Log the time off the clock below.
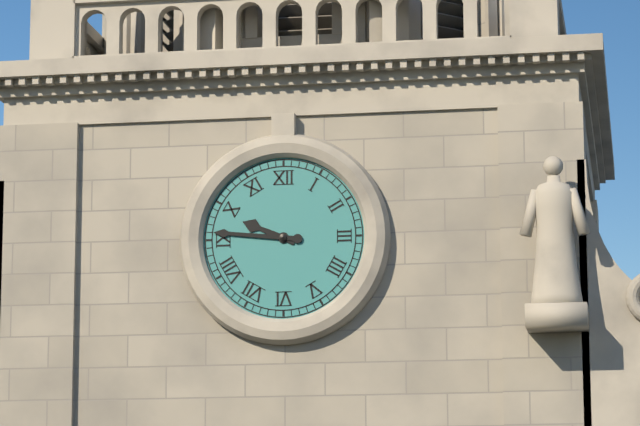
9:46
